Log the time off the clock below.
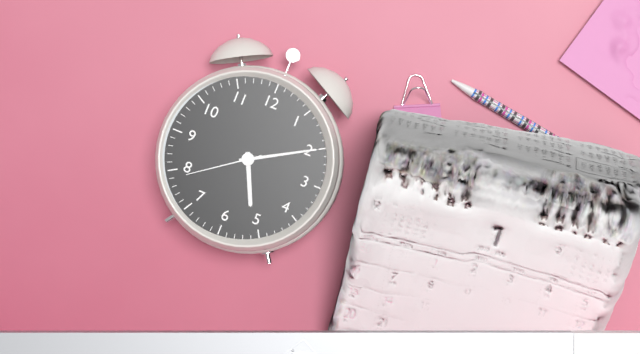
5:10:39
